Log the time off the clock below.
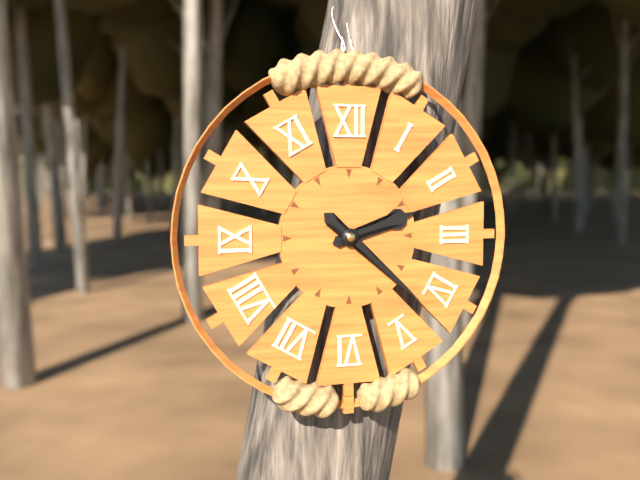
2:22
